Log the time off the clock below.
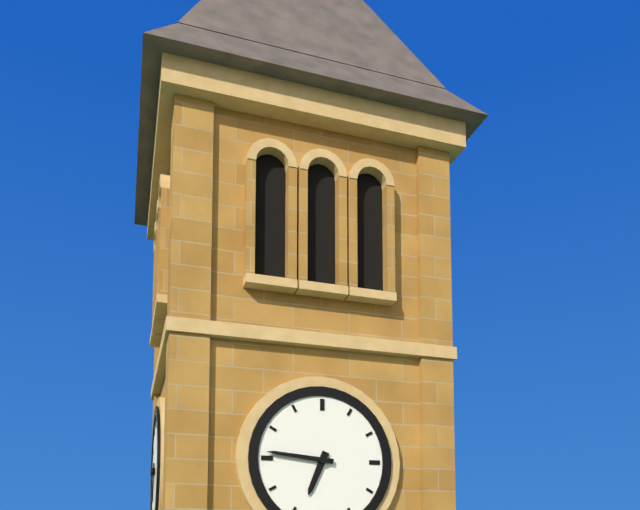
6:46
